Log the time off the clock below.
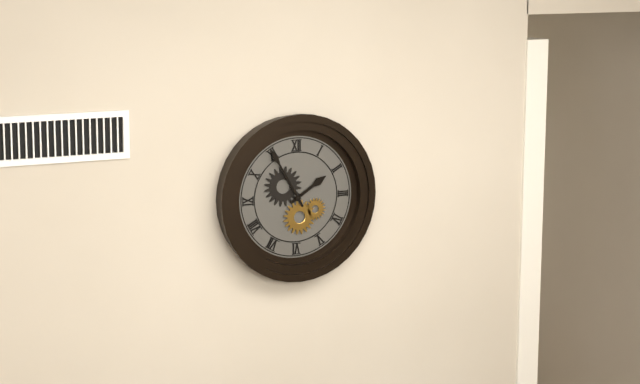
1:55
